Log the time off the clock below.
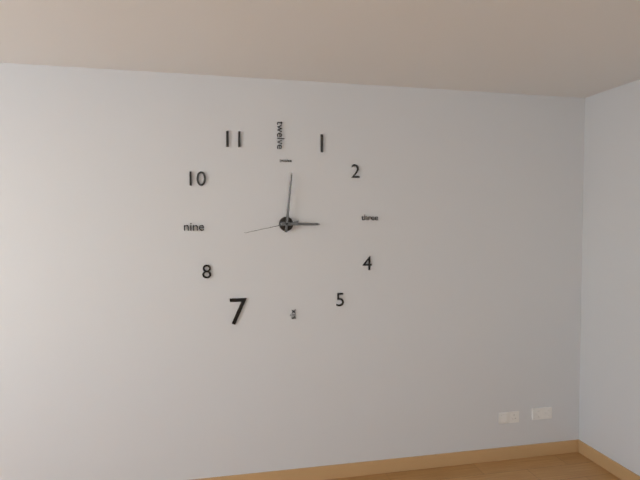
3:01:43
